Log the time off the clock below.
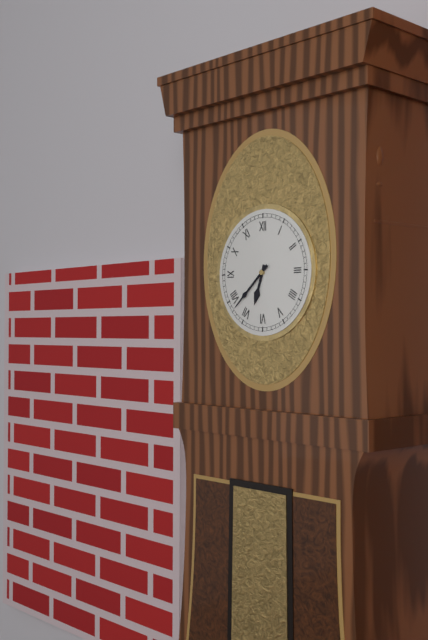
6:38
